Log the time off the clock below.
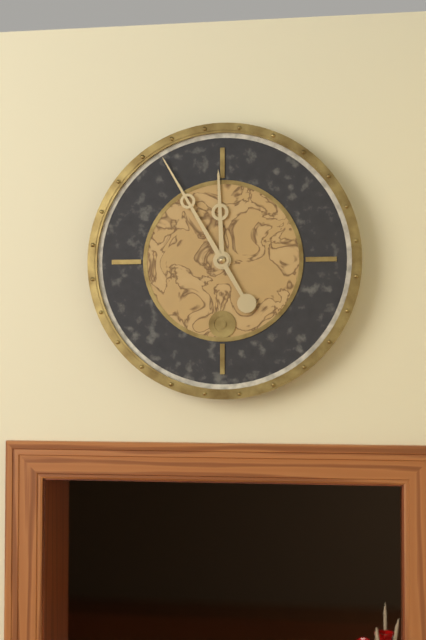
11:55
